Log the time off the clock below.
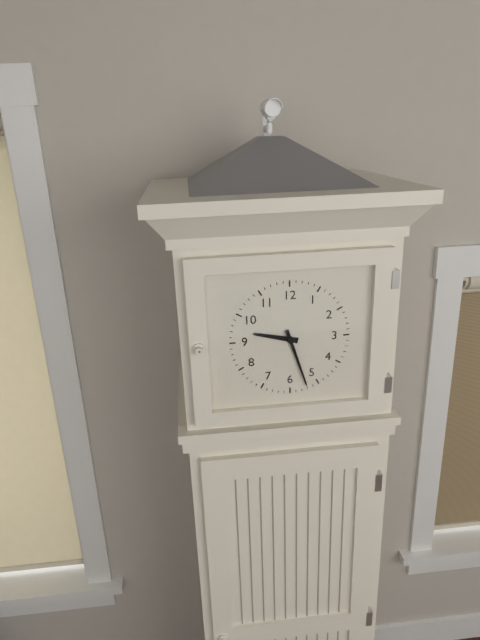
9:27
